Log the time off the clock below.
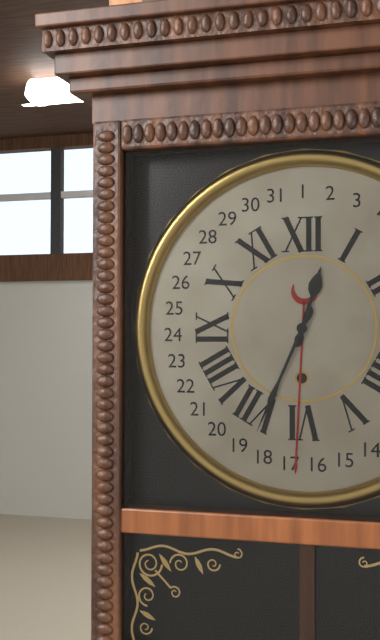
12:34
